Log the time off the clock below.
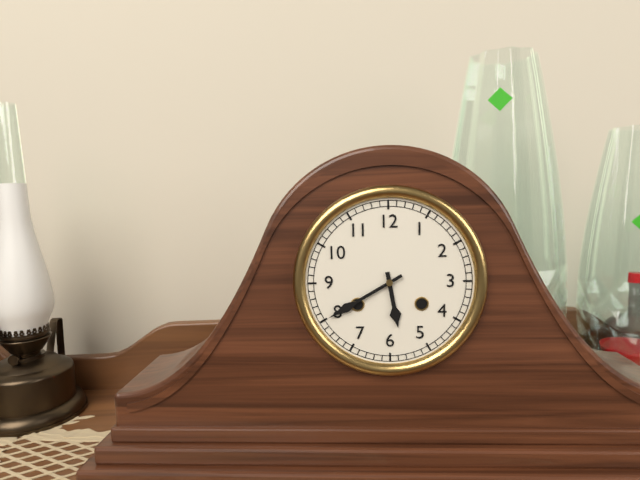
5:40
